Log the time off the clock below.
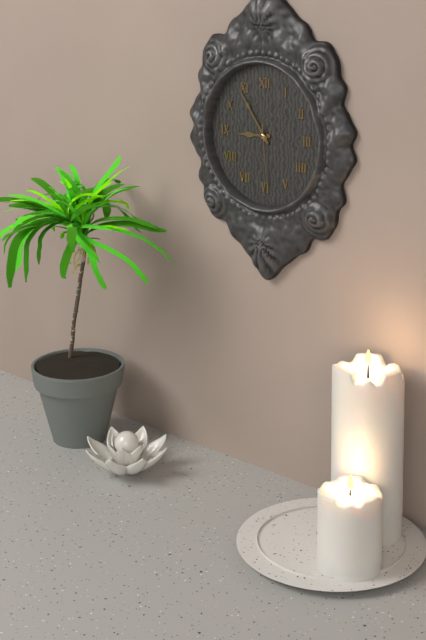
8:54:29
